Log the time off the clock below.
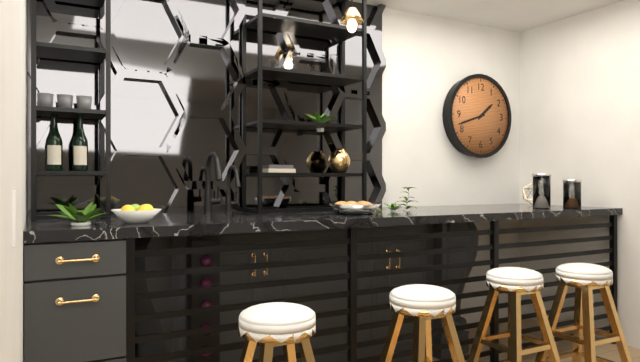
1:42
